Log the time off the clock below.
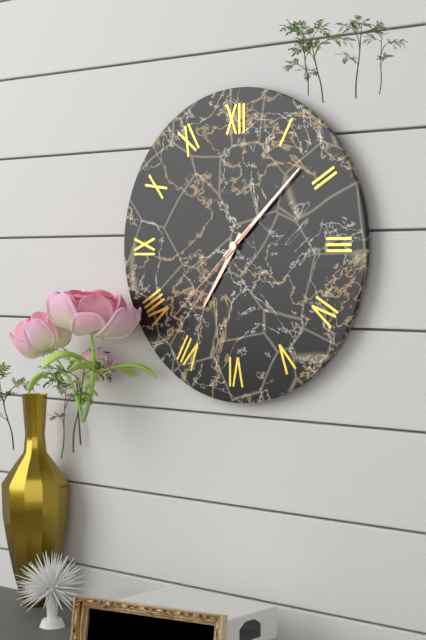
7:08:38
